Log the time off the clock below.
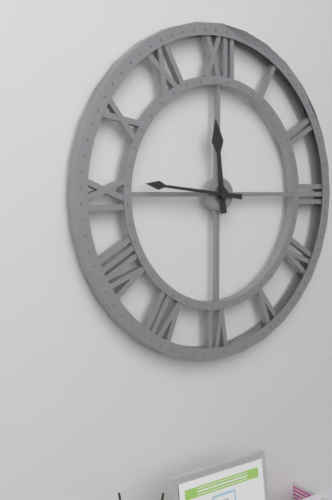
11:46
